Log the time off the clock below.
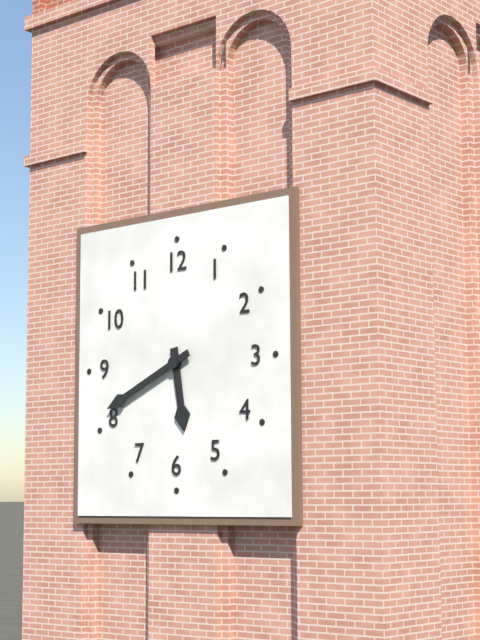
5:41
